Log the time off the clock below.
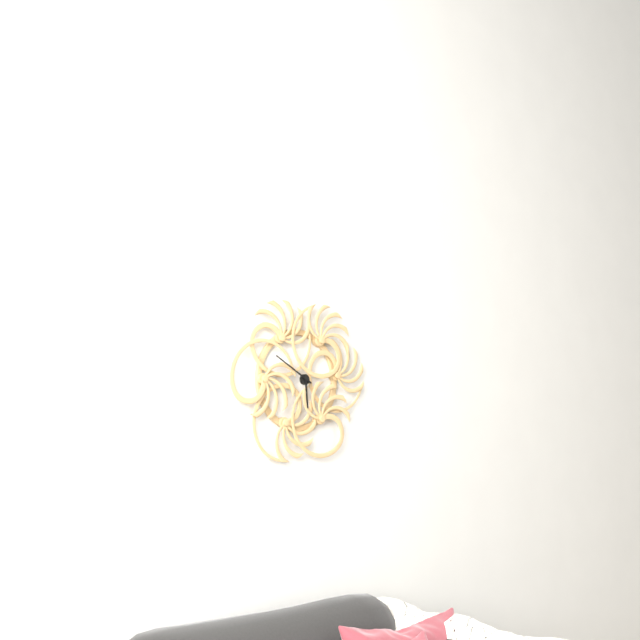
5:50
